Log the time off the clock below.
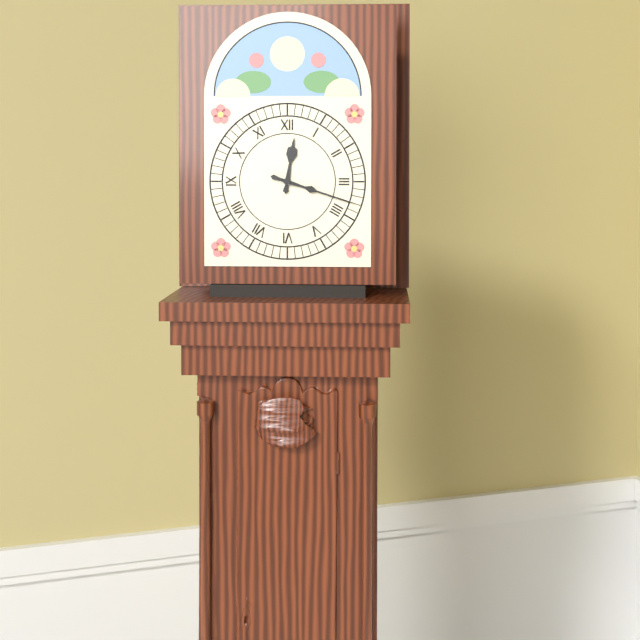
12:18
